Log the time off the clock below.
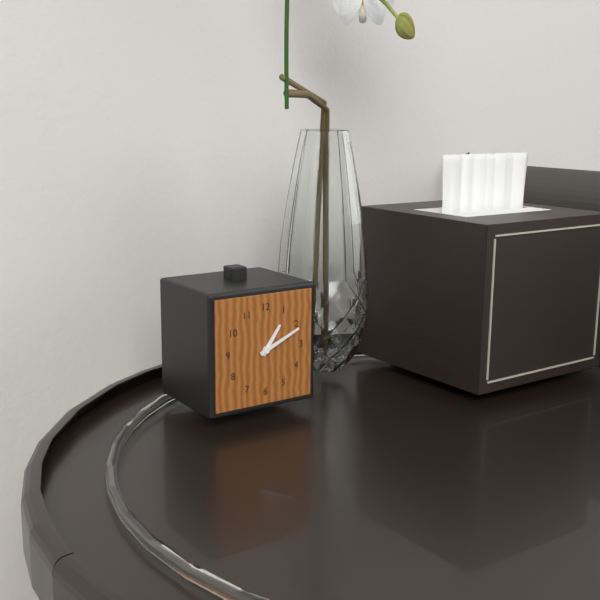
1:11
